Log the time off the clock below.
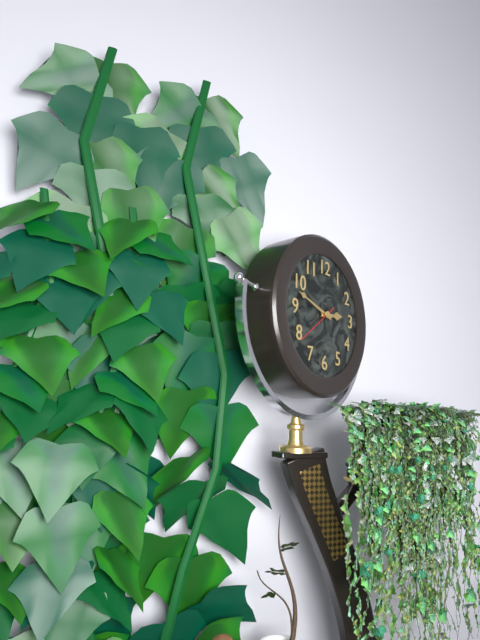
2:48
